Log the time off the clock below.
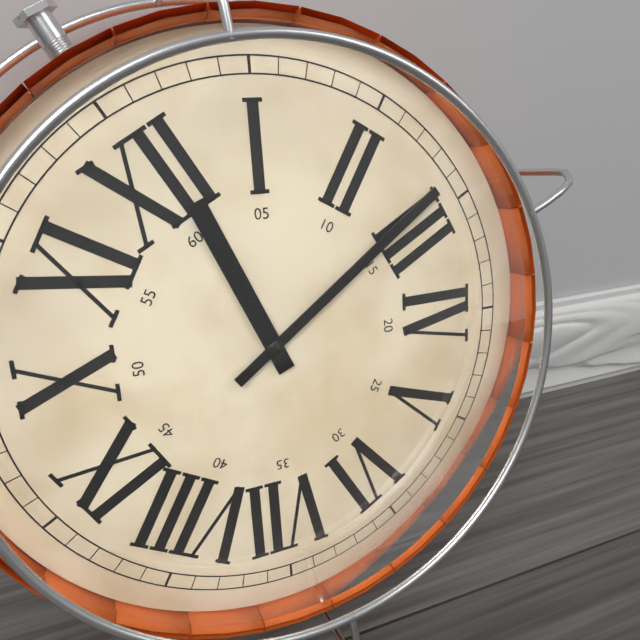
12:14
